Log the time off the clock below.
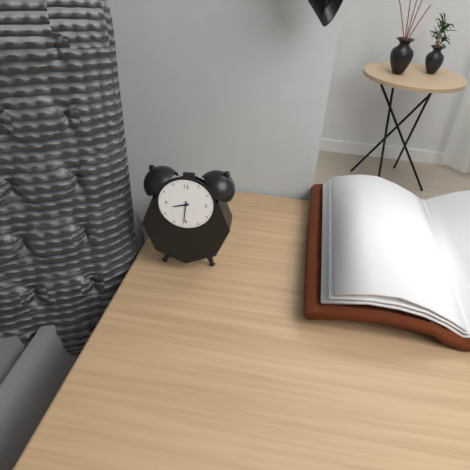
8:31
